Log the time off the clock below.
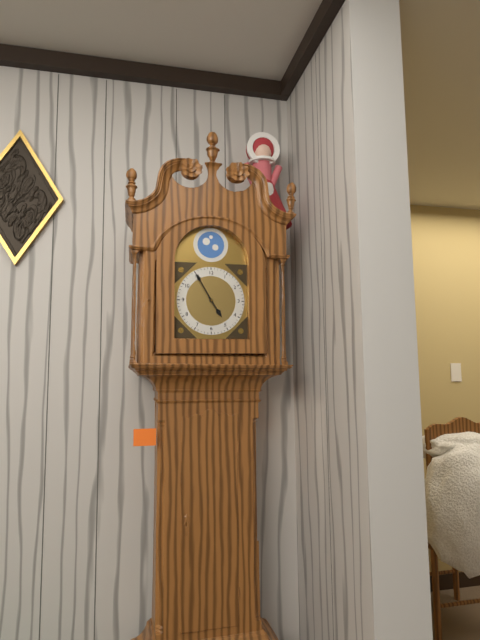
4:55
